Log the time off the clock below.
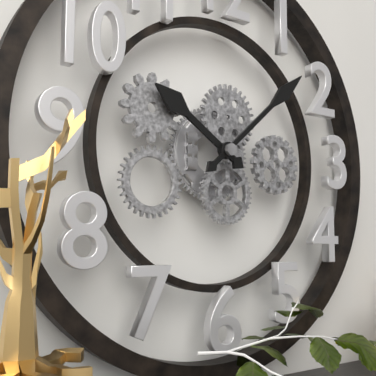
10:08
